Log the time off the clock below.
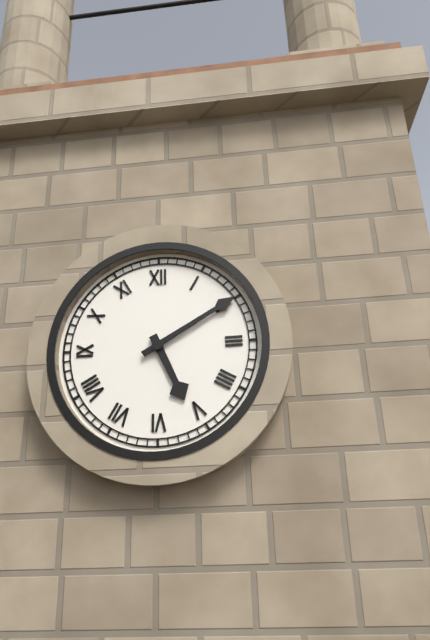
5:10
